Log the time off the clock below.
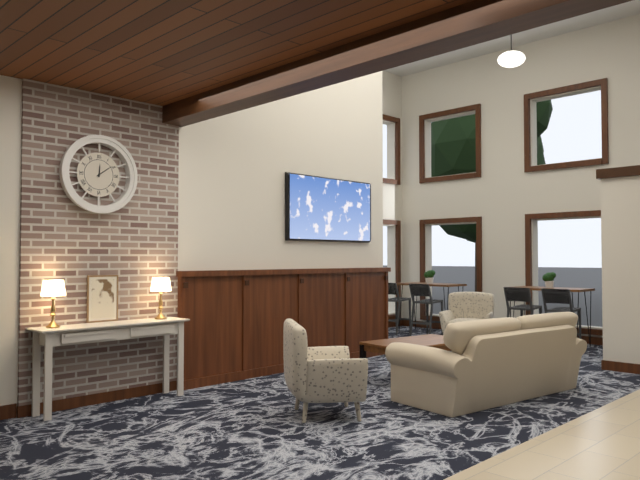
12:09
